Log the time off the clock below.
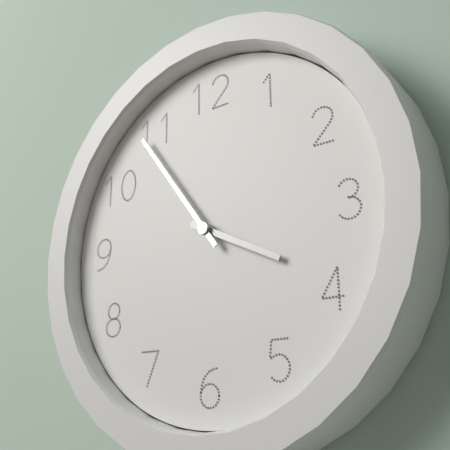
3:54
